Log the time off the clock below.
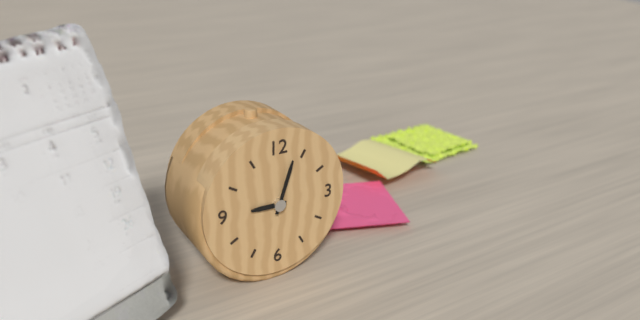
9:03
